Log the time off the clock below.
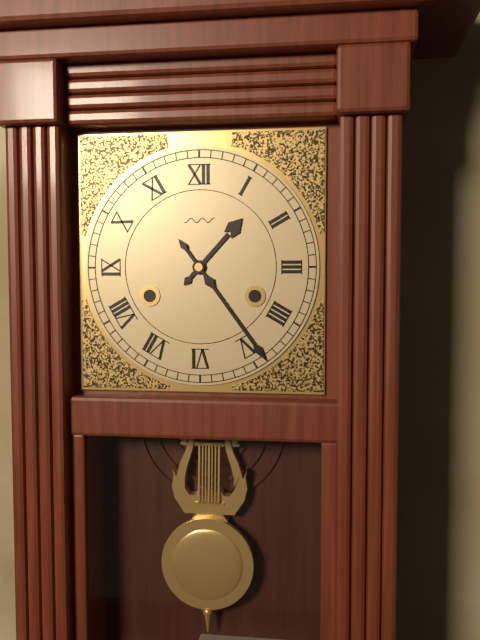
1:24
